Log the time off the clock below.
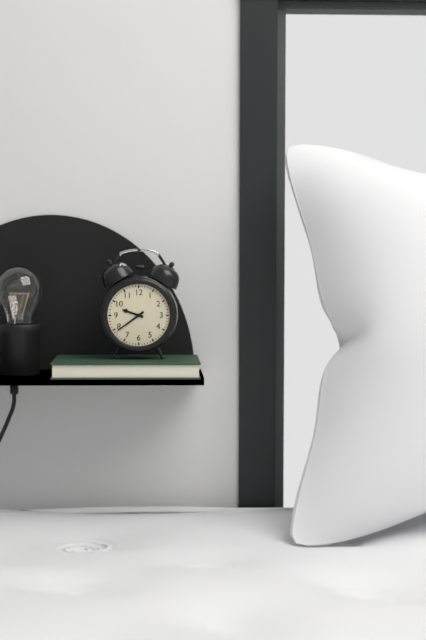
9:39
